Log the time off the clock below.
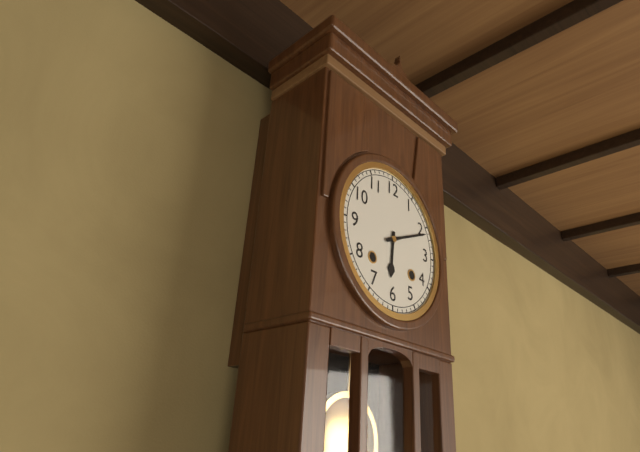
6:11
